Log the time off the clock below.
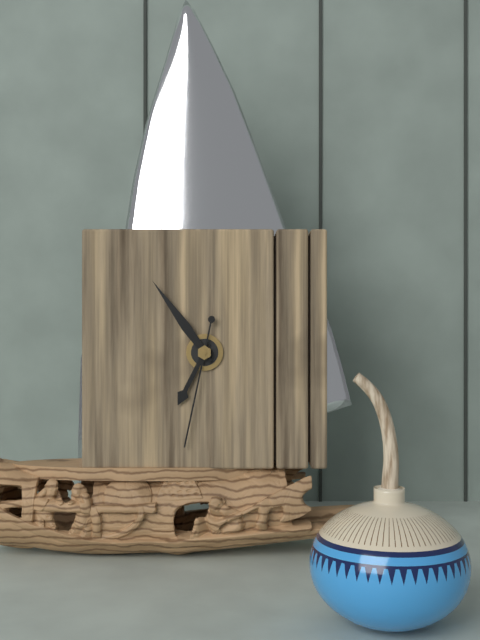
6:54:32
